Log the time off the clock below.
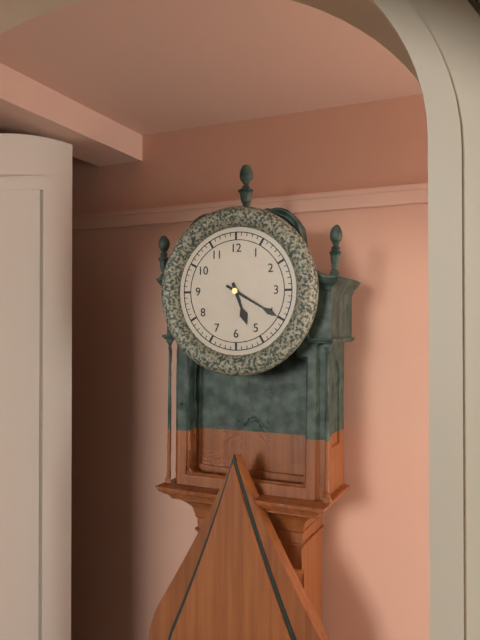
5:20
